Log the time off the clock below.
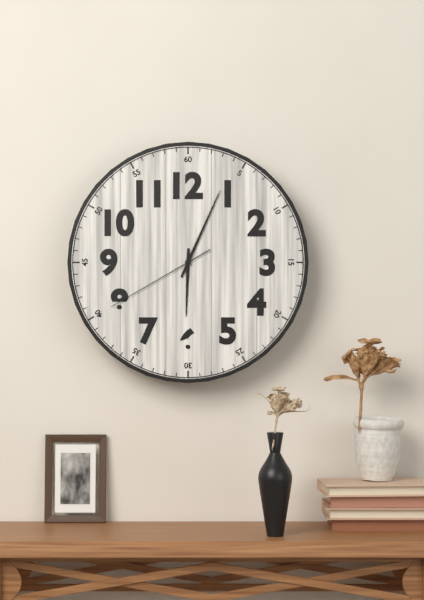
6:04:40
